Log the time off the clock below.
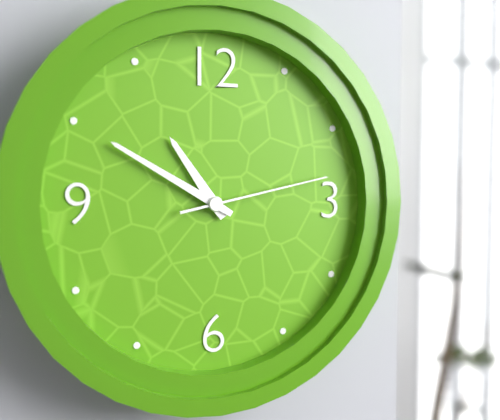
10:50:13
